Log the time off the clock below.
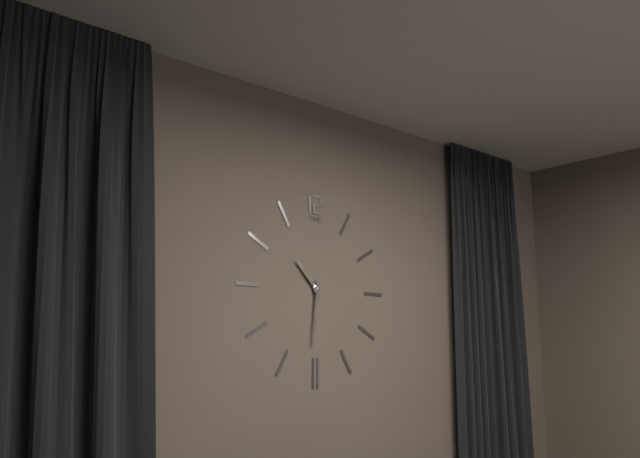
10:31
